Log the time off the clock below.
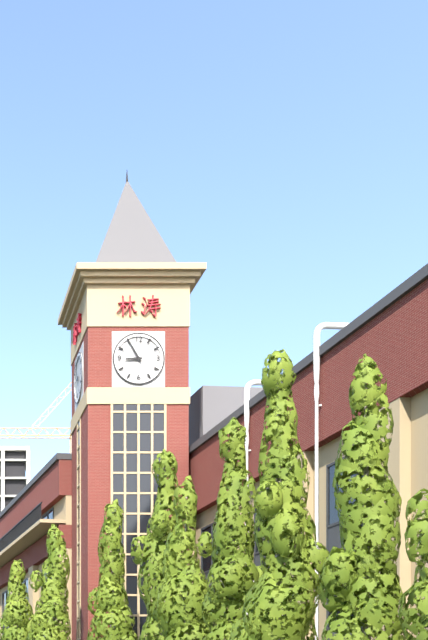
8:55
